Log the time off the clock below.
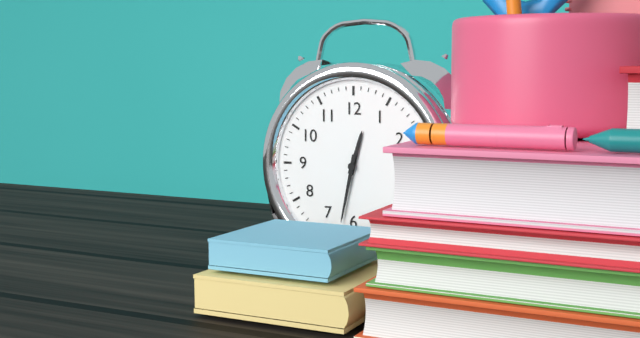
12:32
